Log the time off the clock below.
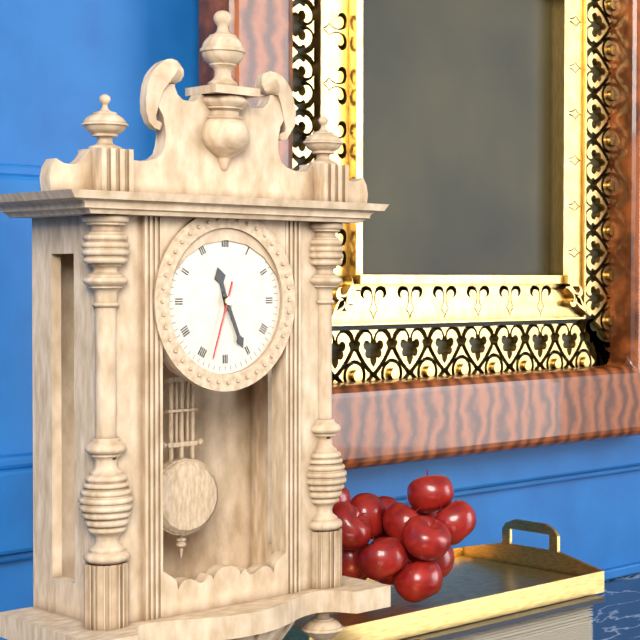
11:26:33
